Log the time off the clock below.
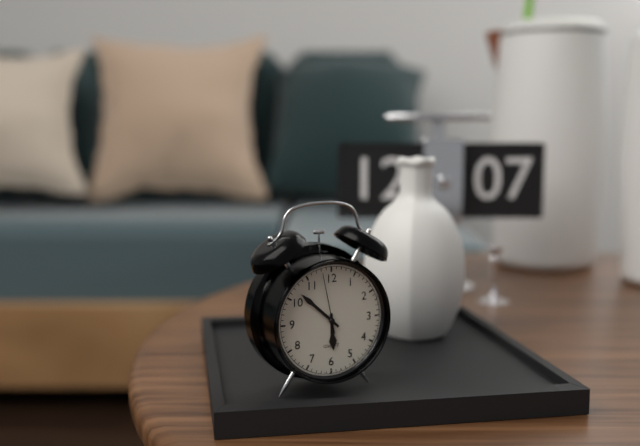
5:52:58
